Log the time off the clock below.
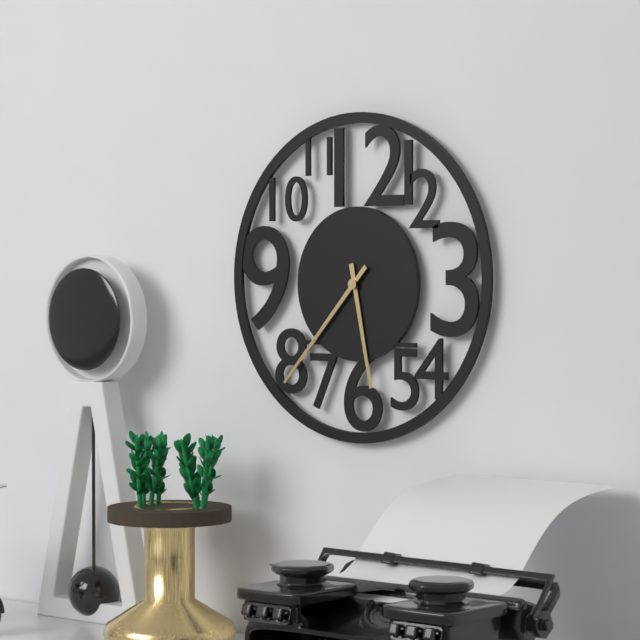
5:37
